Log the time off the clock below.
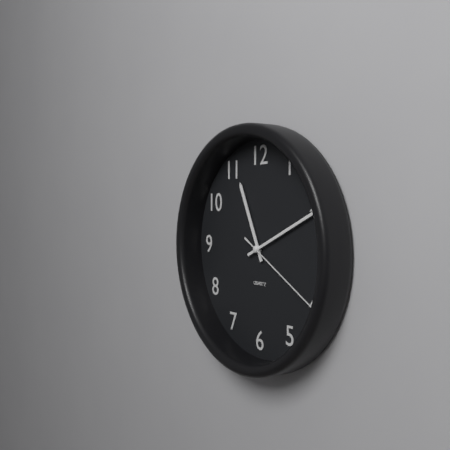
11:11:20
